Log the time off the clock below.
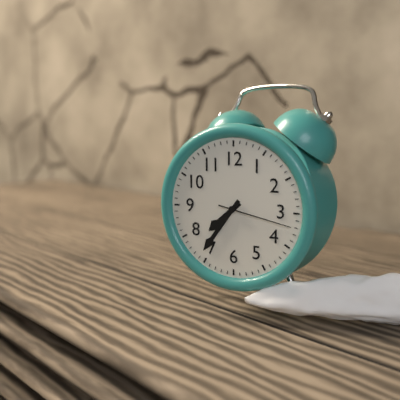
7:36:17
